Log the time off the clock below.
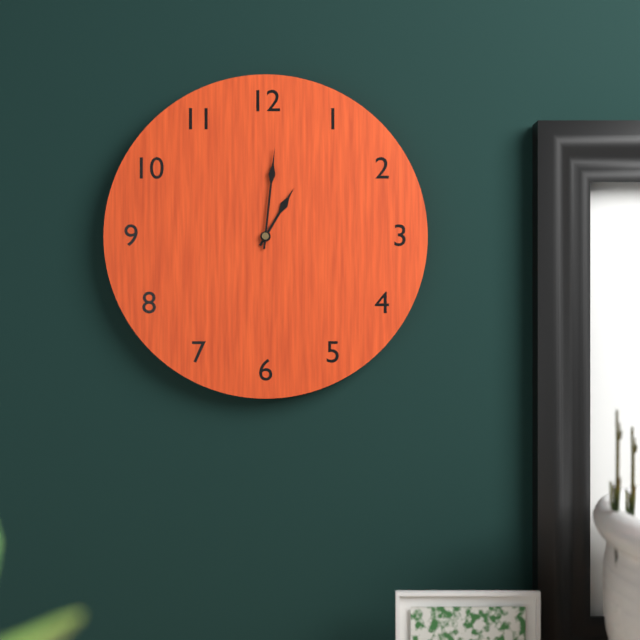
1:01
